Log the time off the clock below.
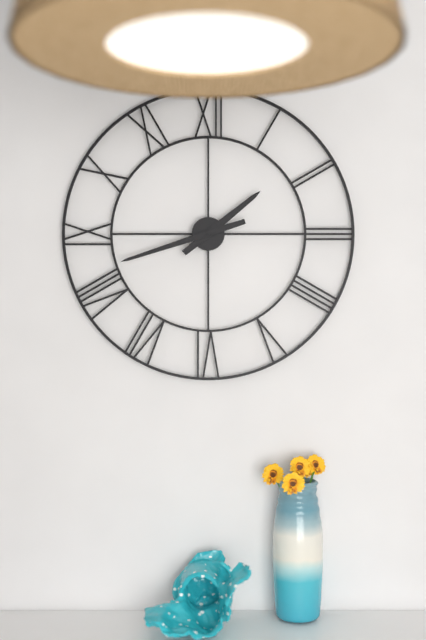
1:42
